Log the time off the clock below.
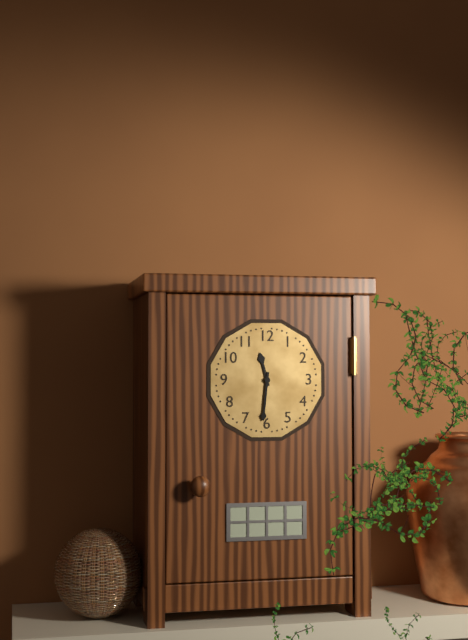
11:31
